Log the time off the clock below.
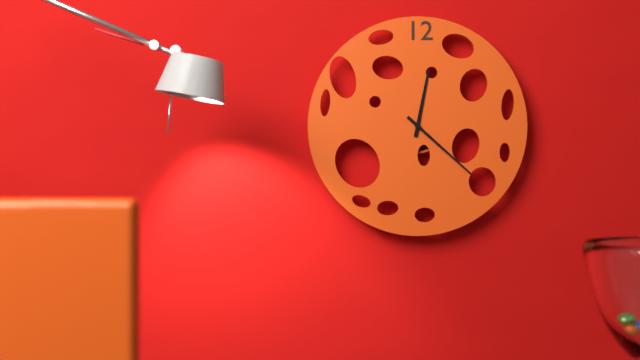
12:22
